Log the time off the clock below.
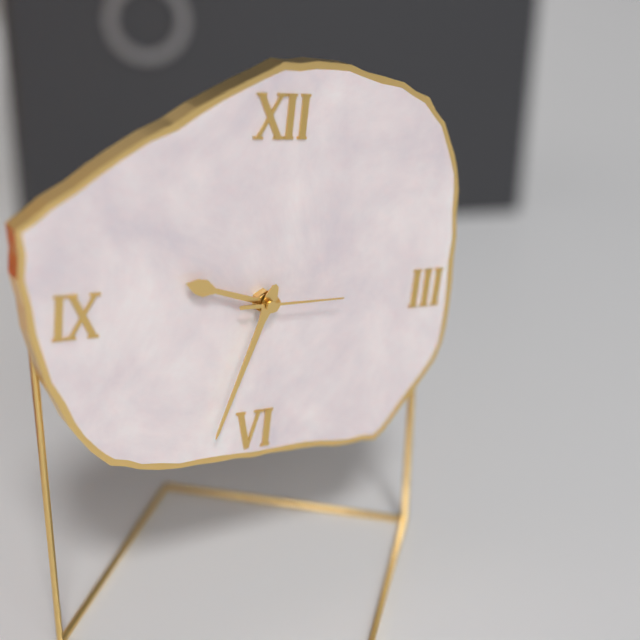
9:33:15
